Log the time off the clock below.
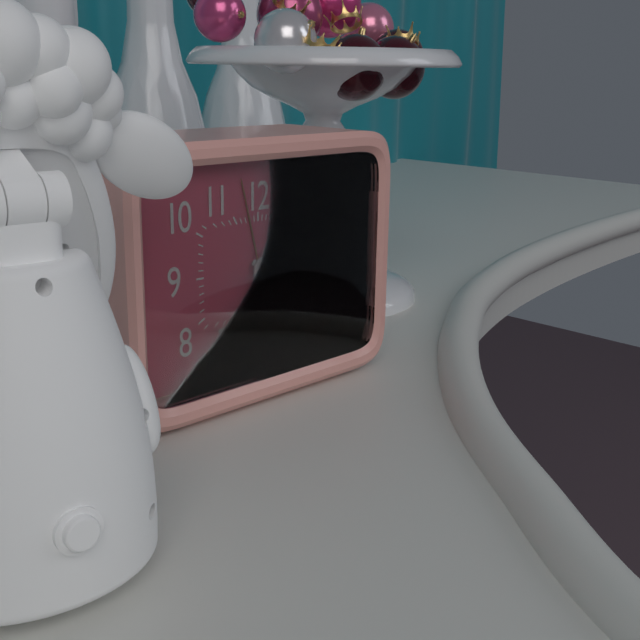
1:21
